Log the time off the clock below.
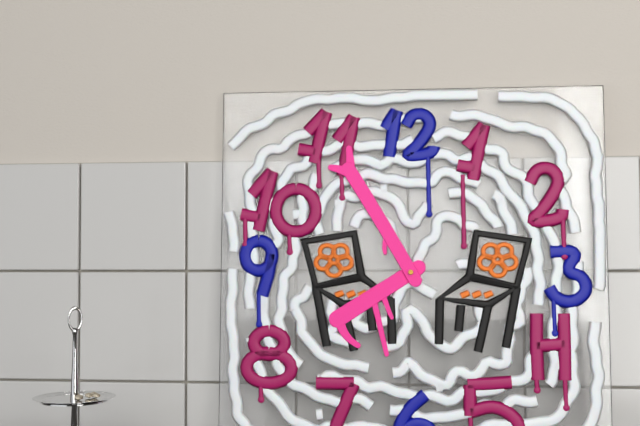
7:55
